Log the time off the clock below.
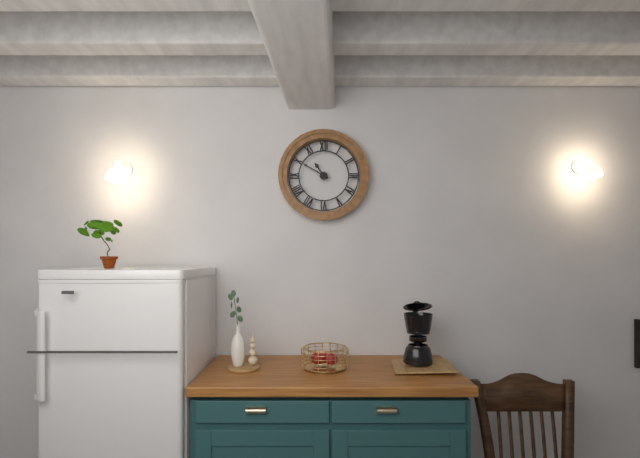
10:50
